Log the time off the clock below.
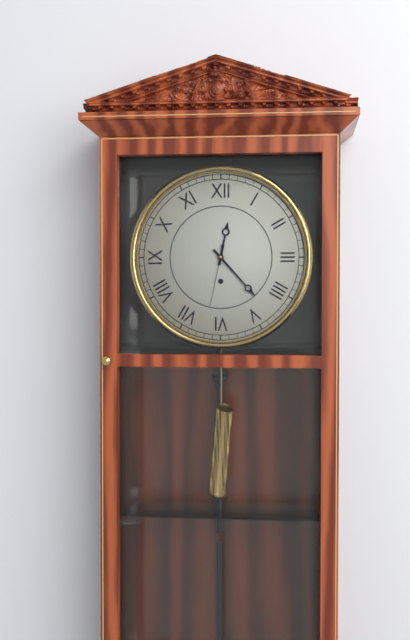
12:23:32
